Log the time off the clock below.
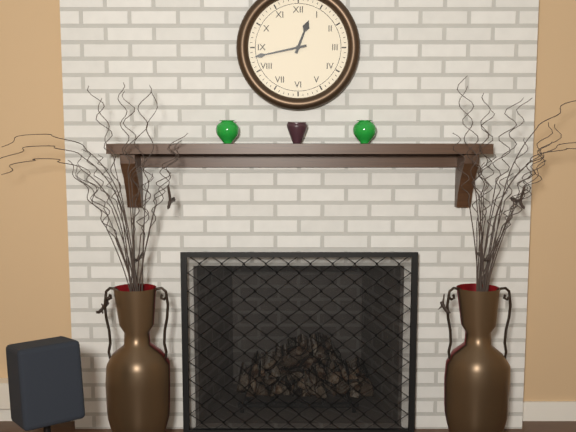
12:43
